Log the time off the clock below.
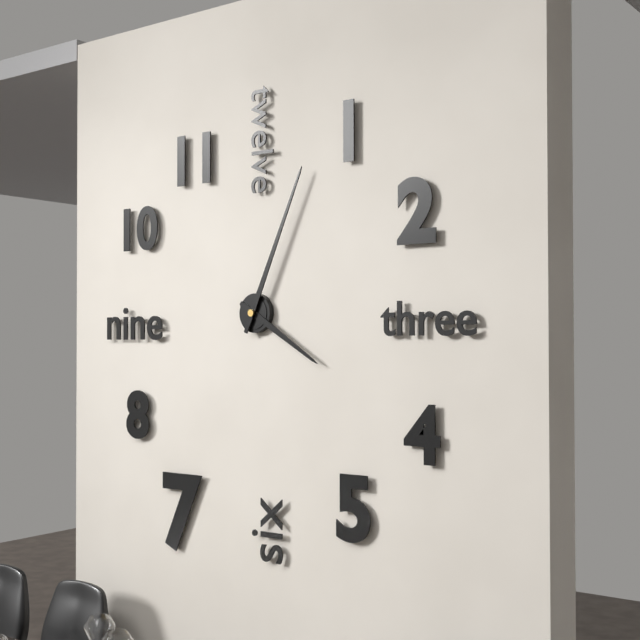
4:04
